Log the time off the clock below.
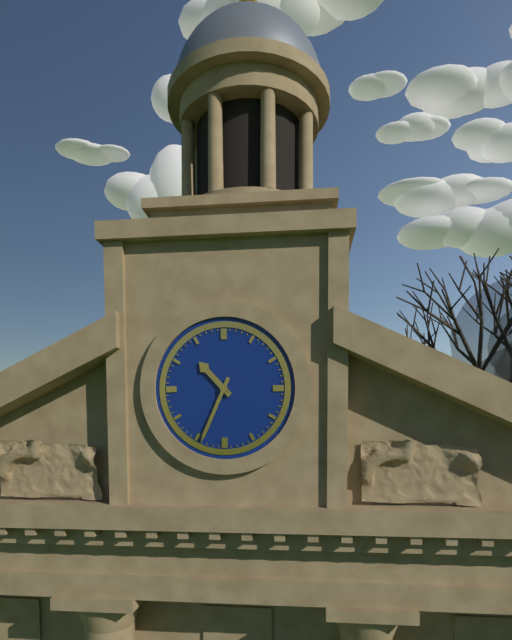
10:34
